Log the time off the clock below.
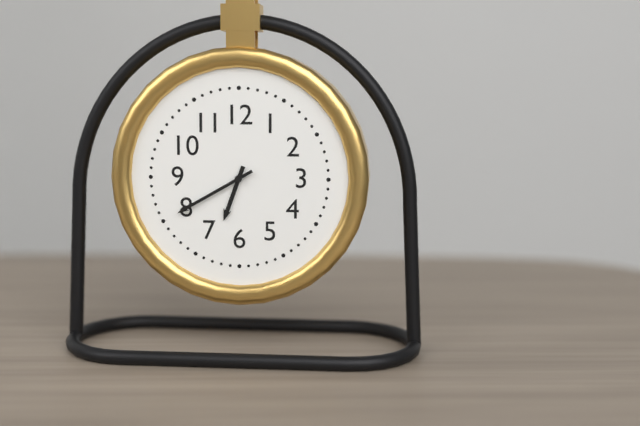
6:40
